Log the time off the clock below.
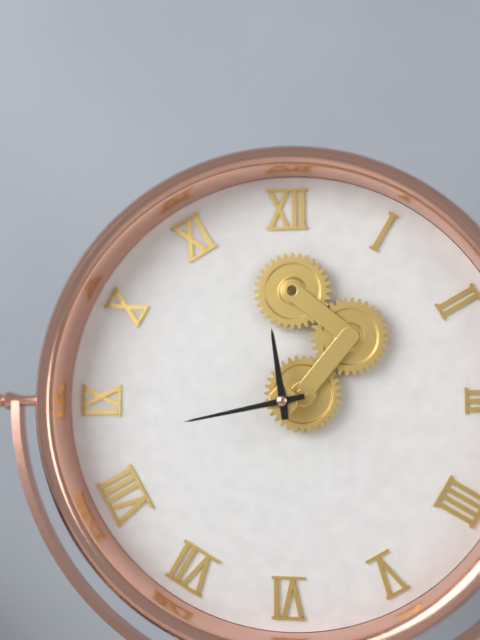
11:43
